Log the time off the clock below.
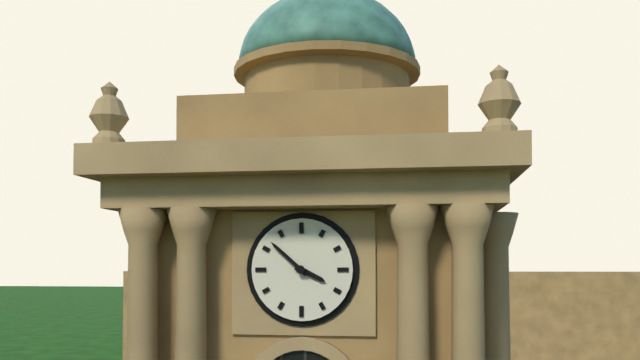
3:52
